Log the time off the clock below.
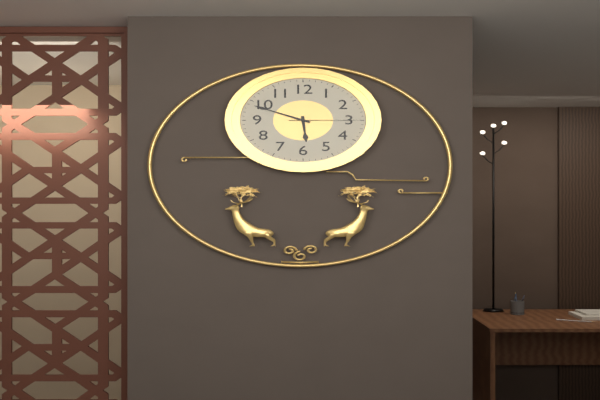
5:49:15
